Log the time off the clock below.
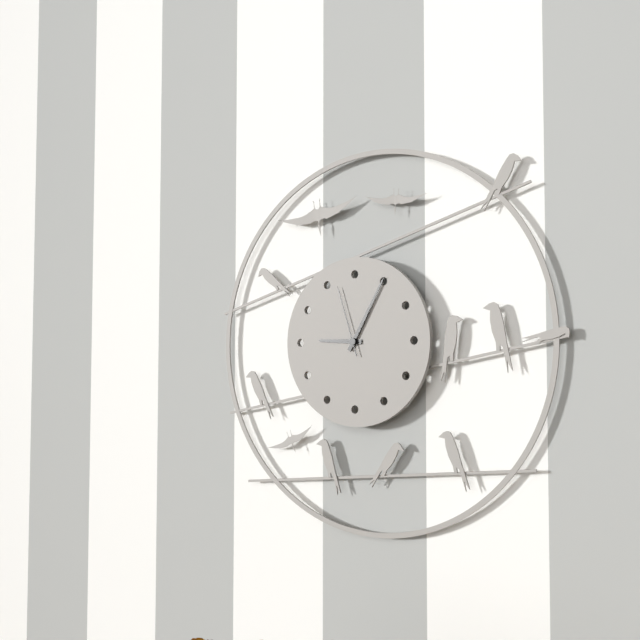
9:05:57
